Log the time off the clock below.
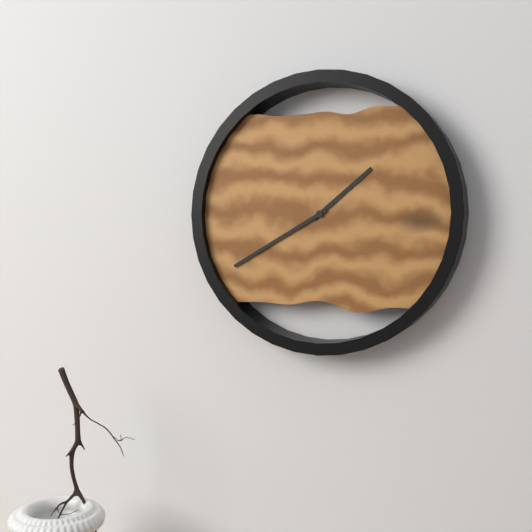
1:40
